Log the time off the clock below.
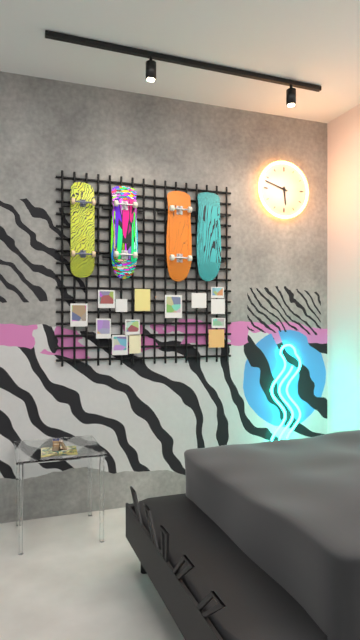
5:48
